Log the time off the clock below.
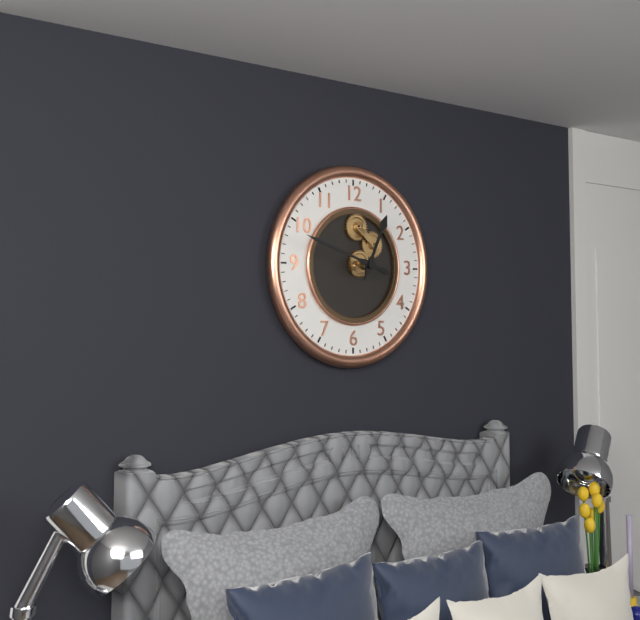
12:48
